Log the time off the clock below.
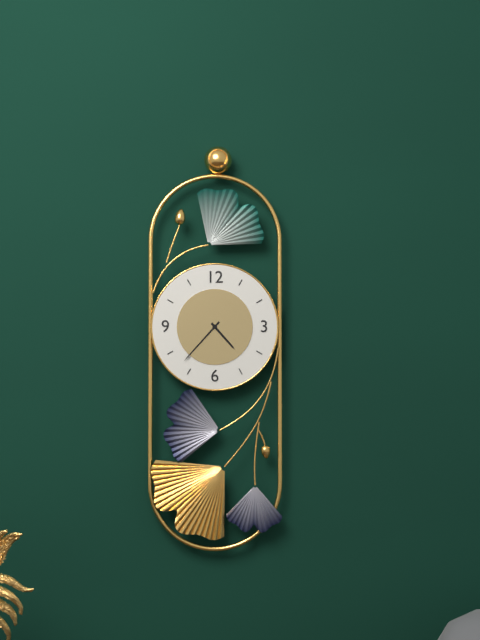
4:37
